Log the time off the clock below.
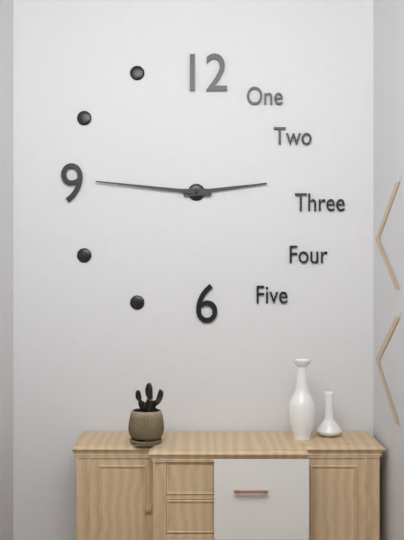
2:46
